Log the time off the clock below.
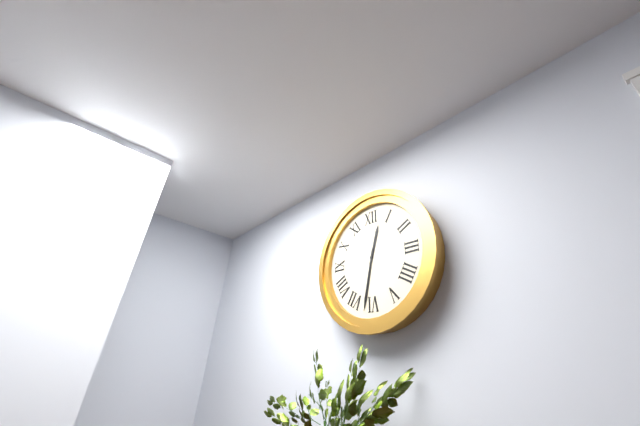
12:32
